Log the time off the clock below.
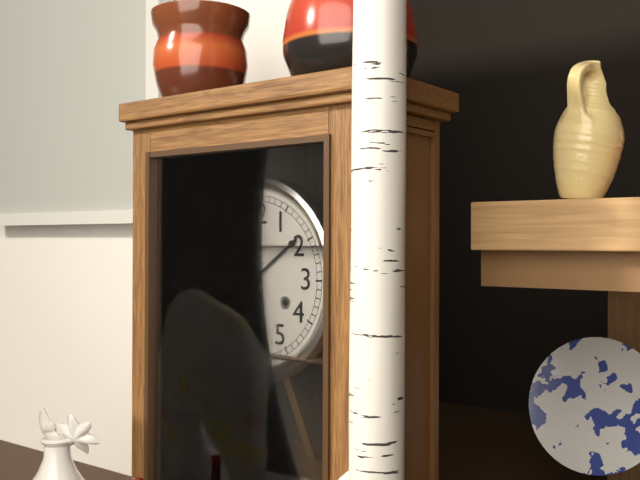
7:09
